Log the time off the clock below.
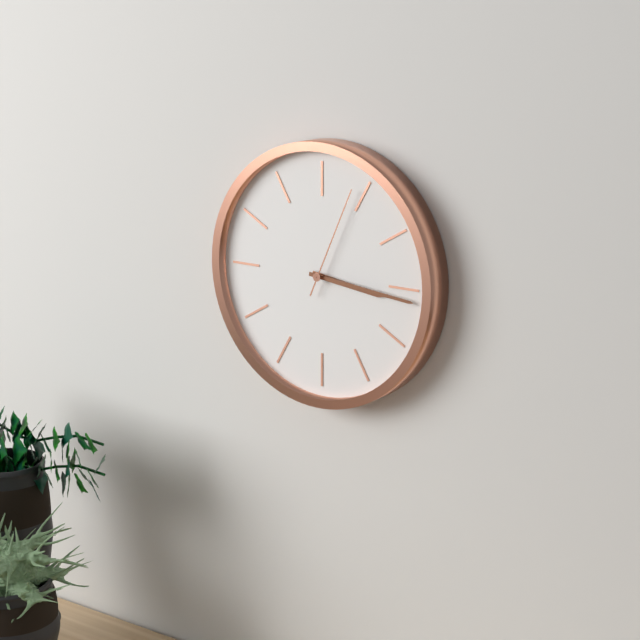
3:16:04
